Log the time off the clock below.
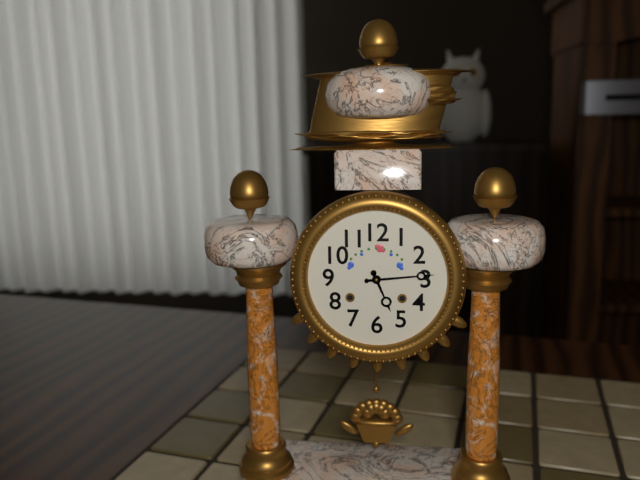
5:14
